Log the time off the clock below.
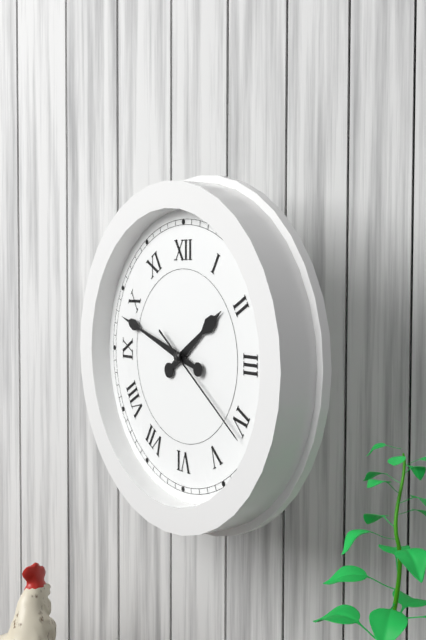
1:48:21
